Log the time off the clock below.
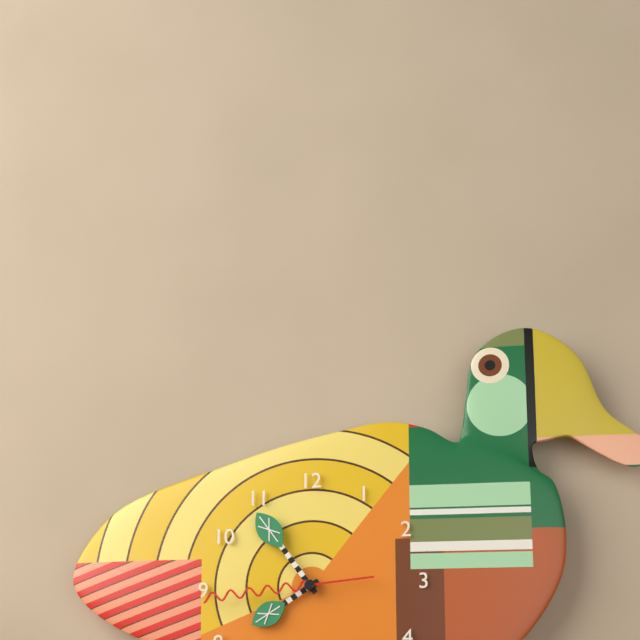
7:54:44
